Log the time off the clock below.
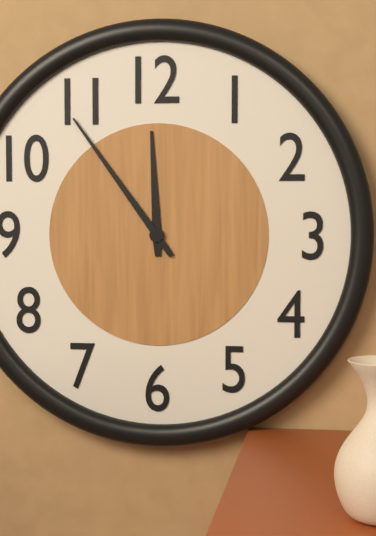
11:54
